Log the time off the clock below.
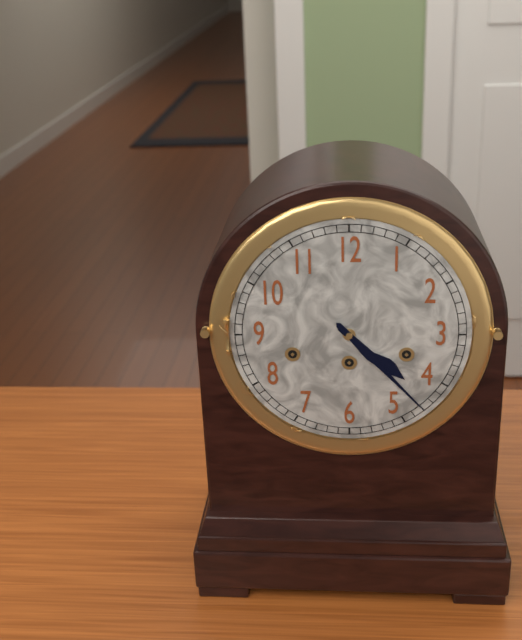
4:23
